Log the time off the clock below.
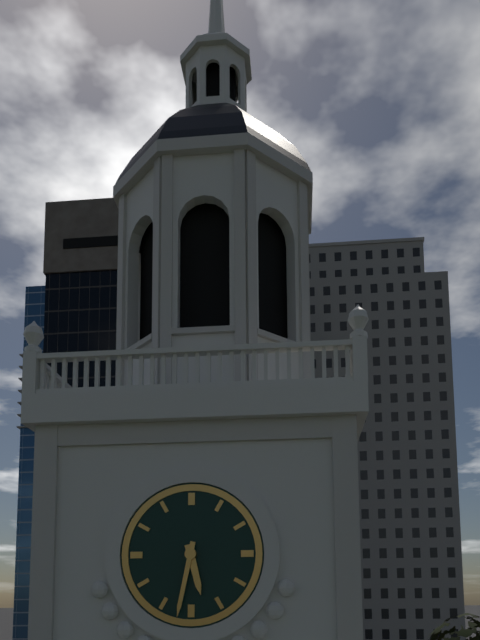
5:32
